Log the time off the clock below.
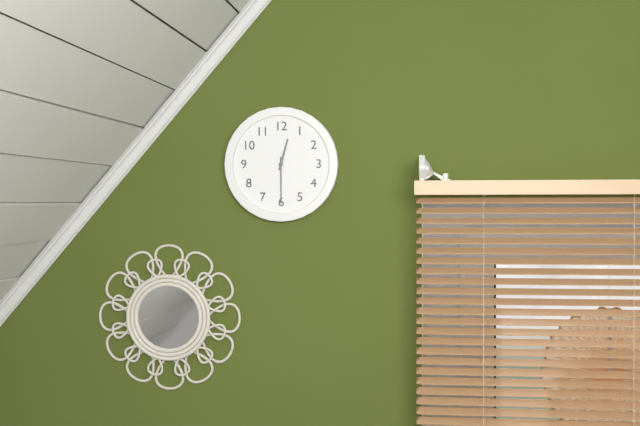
12:30
